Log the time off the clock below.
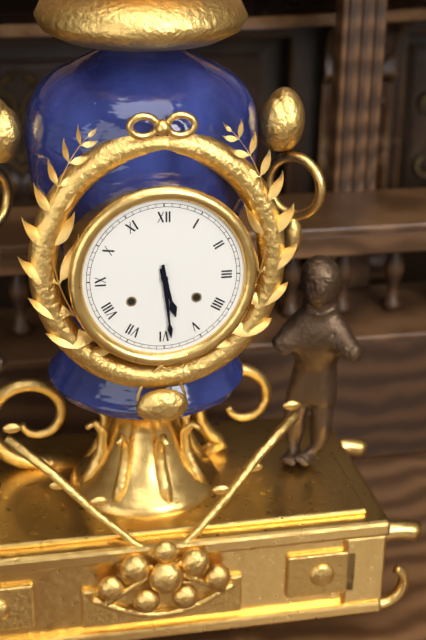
5:29
